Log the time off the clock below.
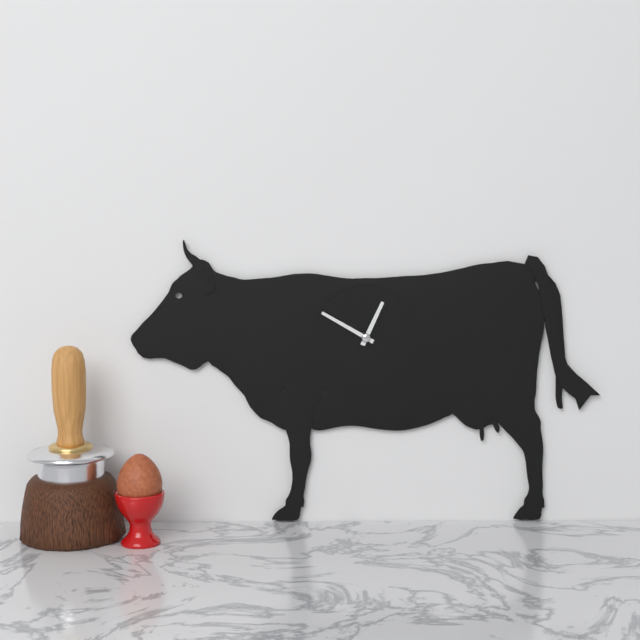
12:50
